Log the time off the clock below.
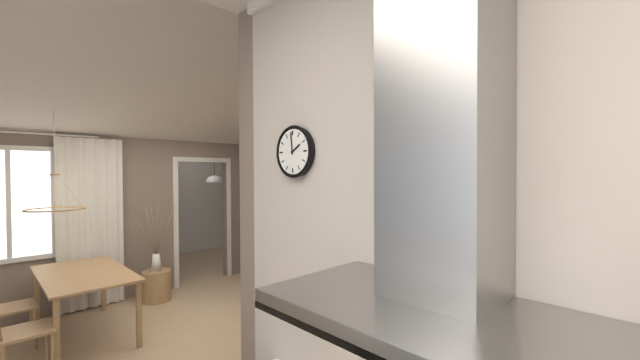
1:59
